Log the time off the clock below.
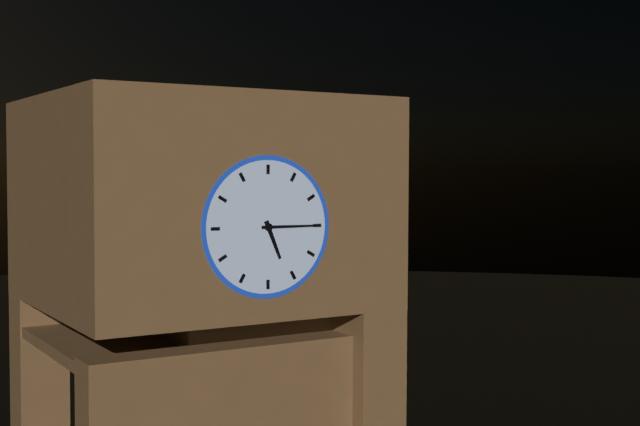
5:15
